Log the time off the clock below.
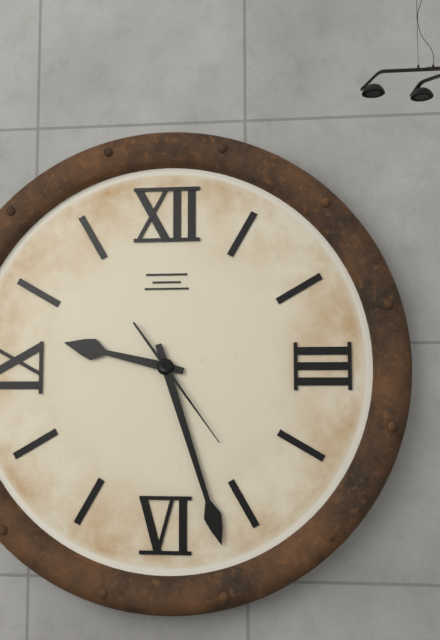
9:27:24
